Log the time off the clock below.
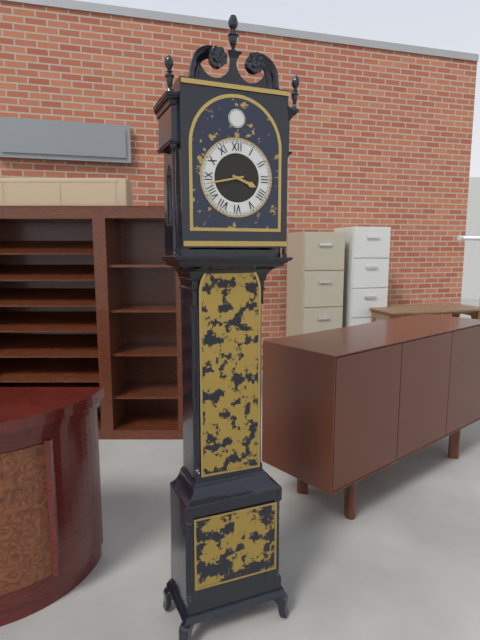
3:43
